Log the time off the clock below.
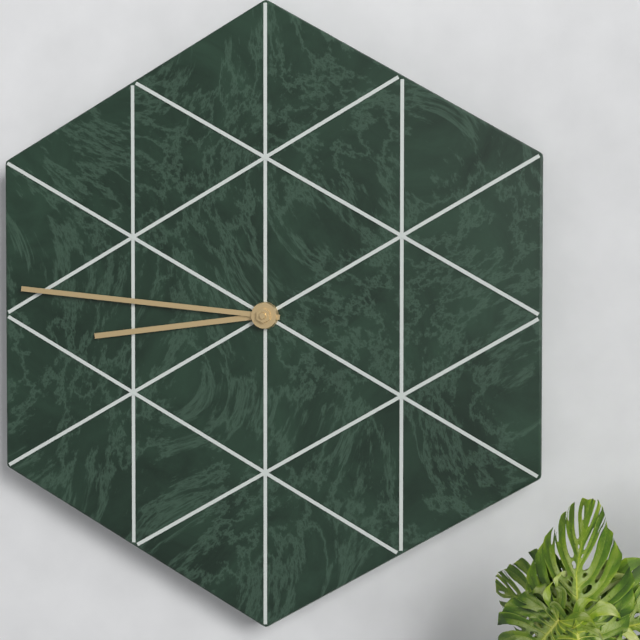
8:46
